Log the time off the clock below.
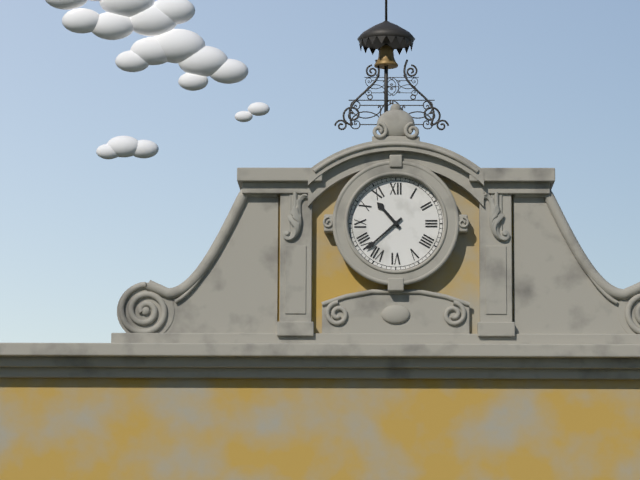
10:38
